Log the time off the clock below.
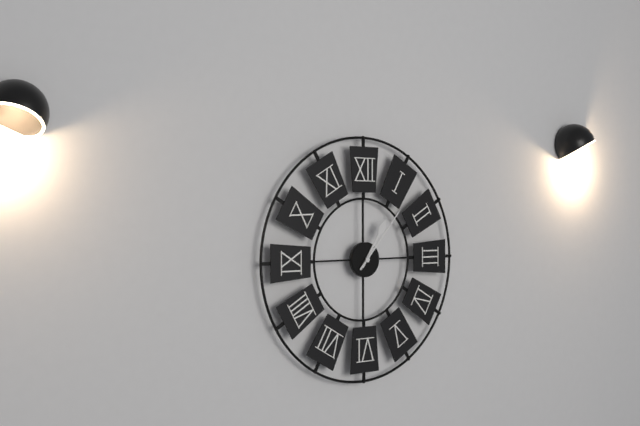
1:07
